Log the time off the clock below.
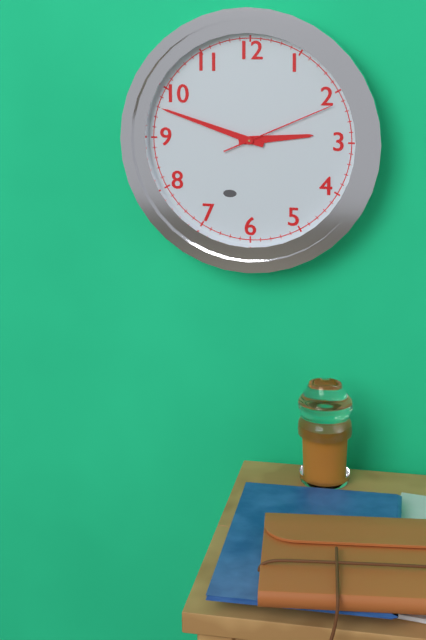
2:48:11
